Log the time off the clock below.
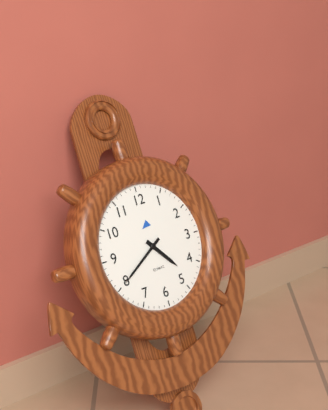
4:40
